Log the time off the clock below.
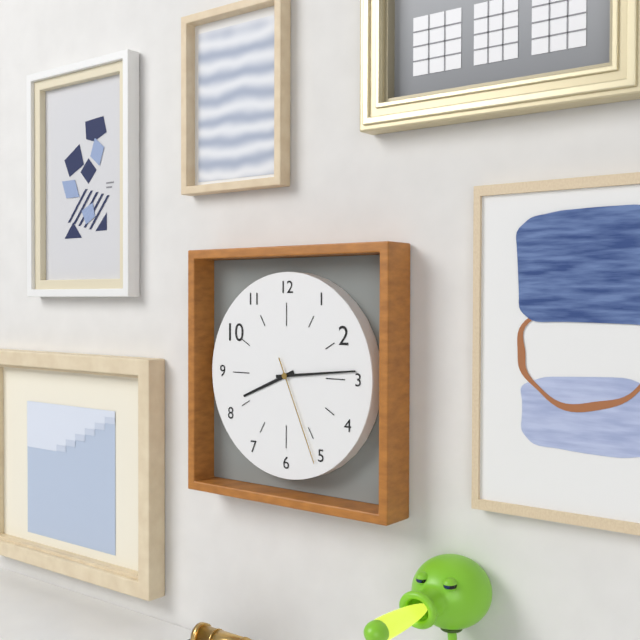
8:14:26
